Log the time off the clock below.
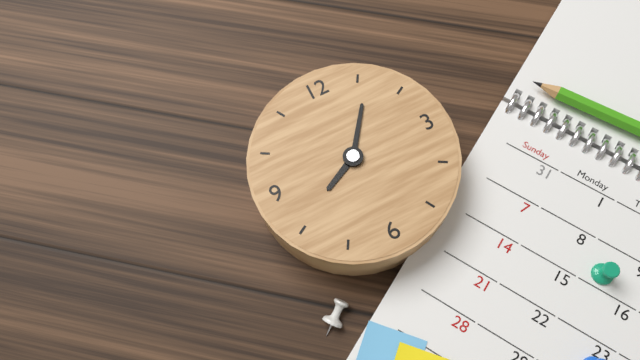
8:06
